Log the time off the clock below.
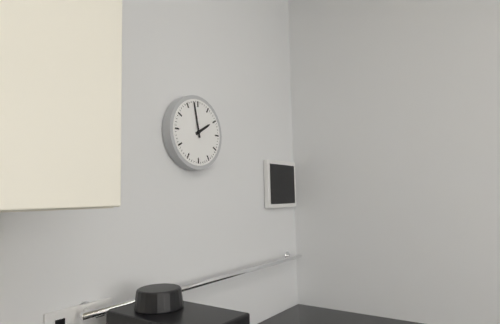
1:58
